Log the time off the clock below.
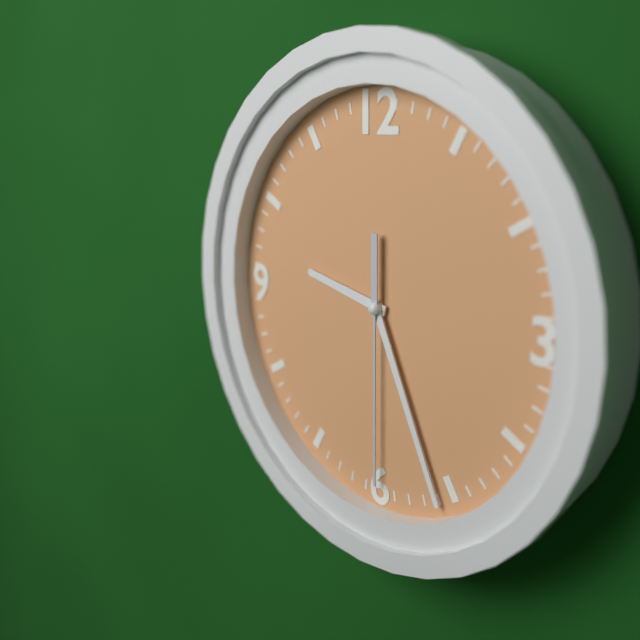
9:26:30
